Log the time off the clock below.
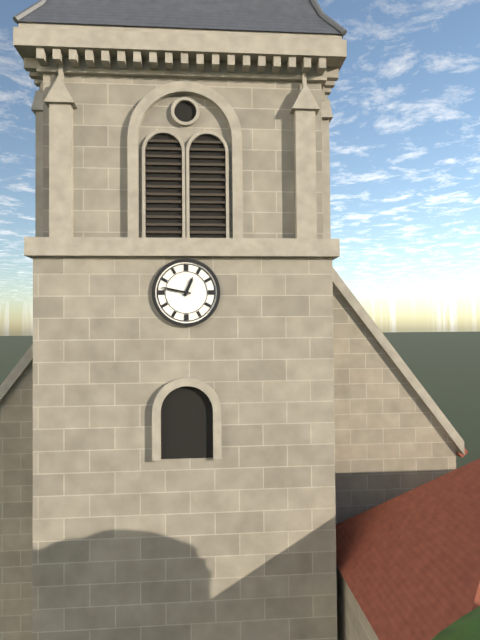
12:47
